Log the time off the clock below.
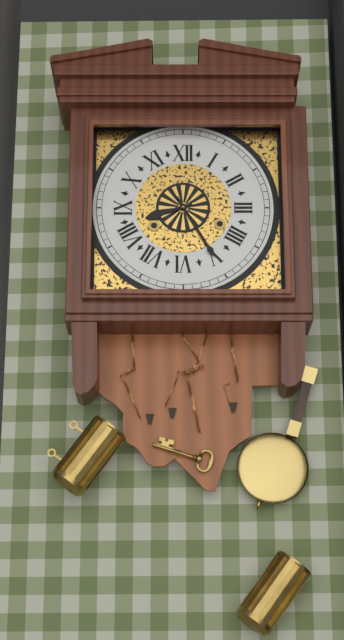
8:25
